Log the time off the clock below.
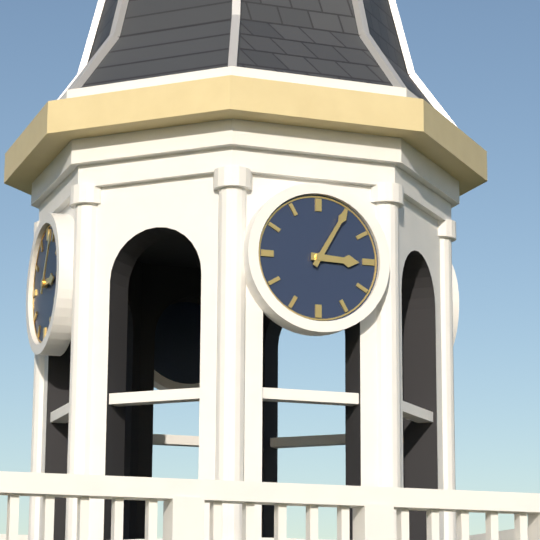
3:05
